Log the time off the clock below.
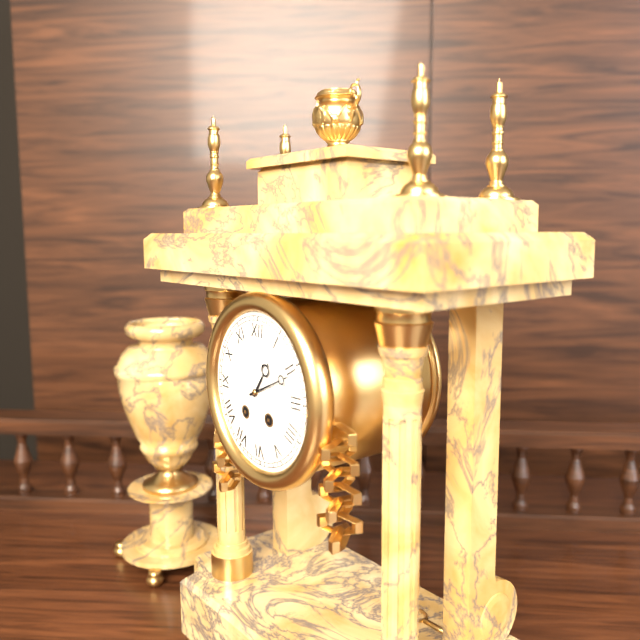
1:11
